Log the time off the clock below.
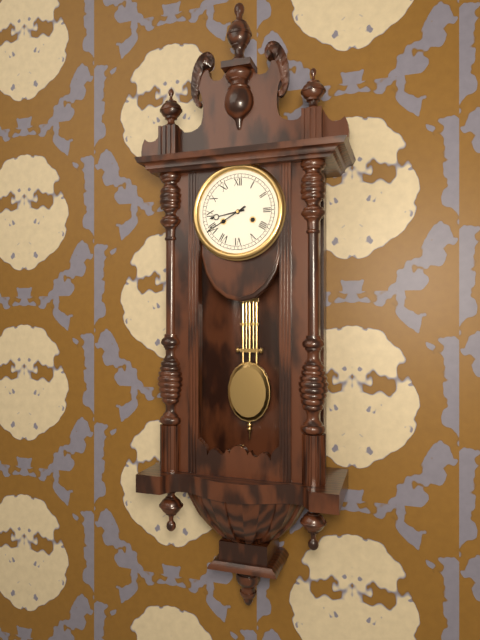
8:40
